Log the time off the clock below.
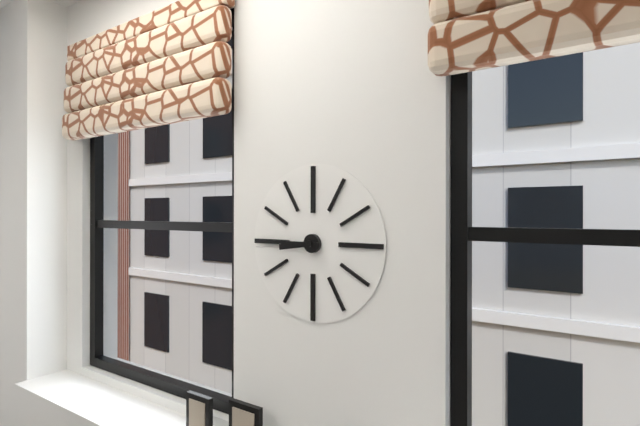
8:45
